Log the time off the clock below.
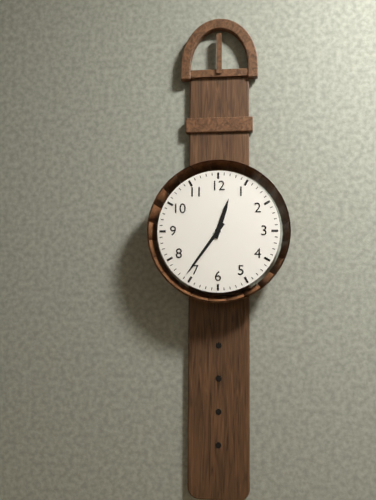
12:36
